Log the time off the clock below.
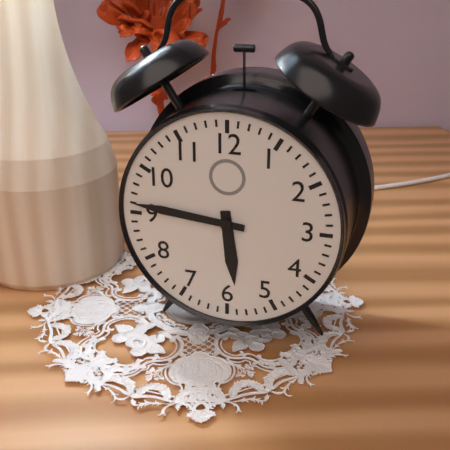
5:46
